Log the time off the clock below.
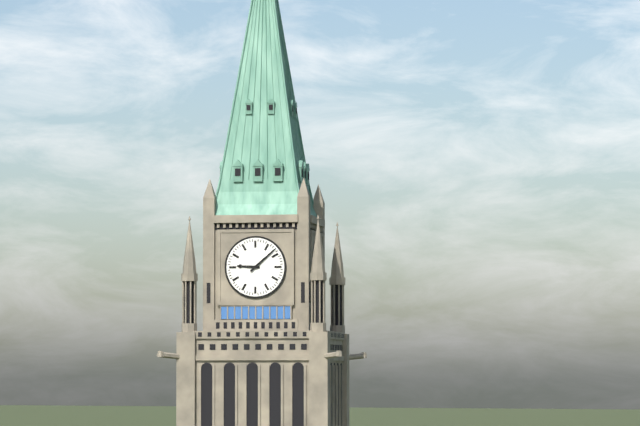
9:08
